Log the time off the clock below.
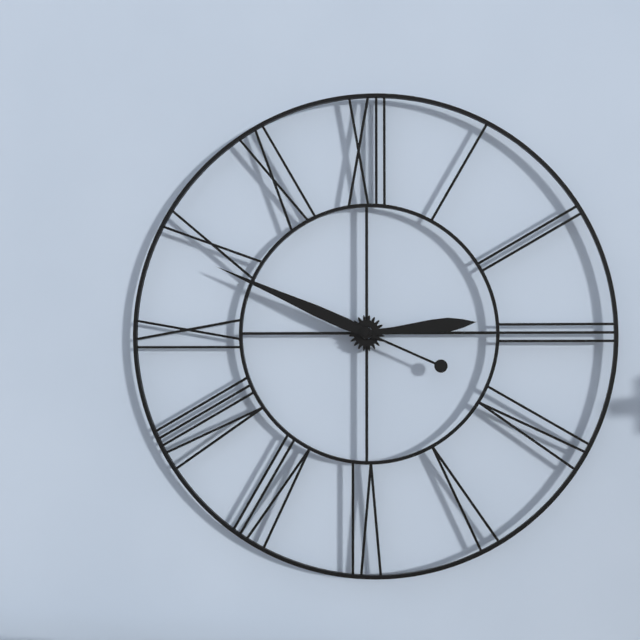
2:49
